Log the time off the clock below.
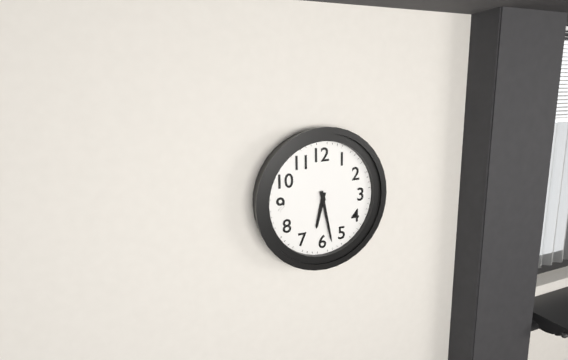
6:28
